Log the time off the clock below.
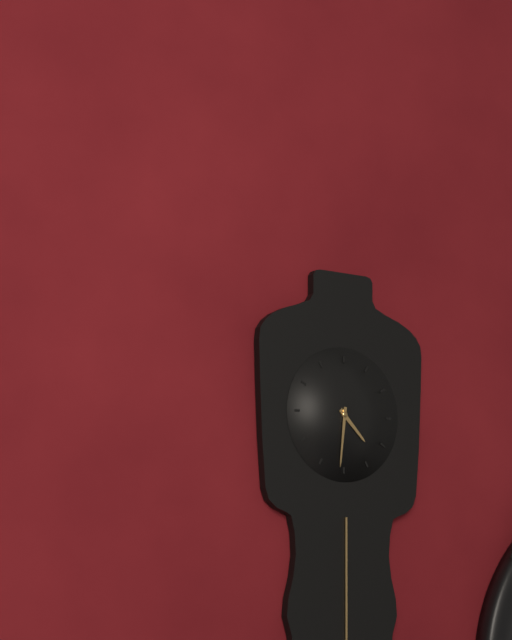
4:31
